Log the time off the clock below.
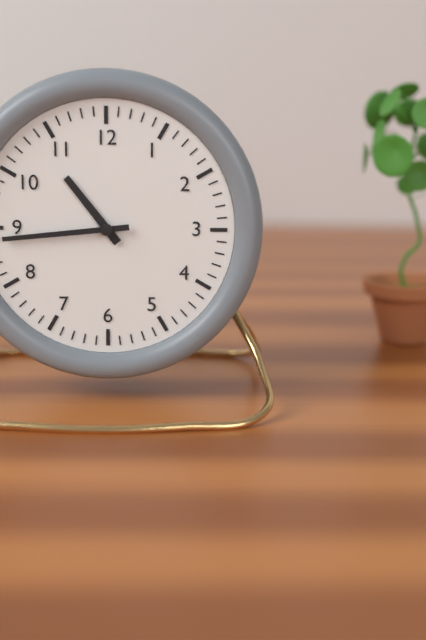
10:44
